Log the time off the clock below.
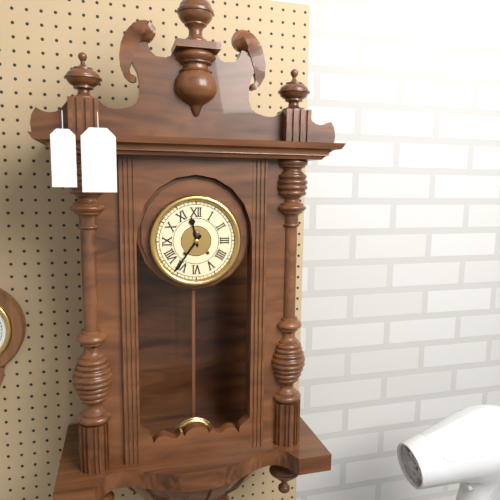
11:36
